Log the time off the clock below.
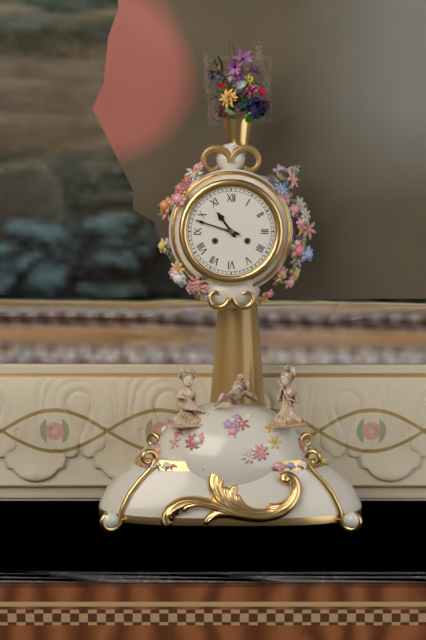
10:48
